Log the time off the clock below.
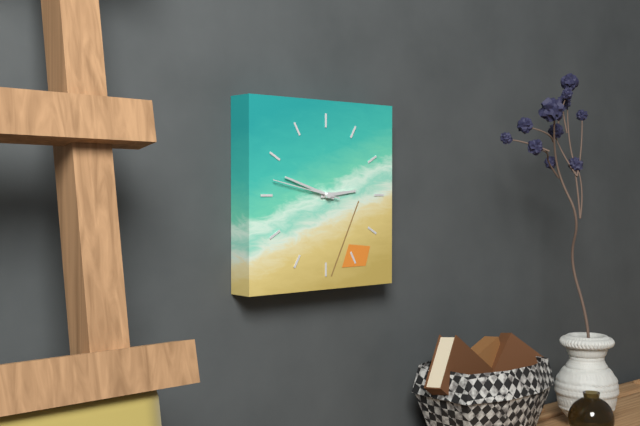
2:48
